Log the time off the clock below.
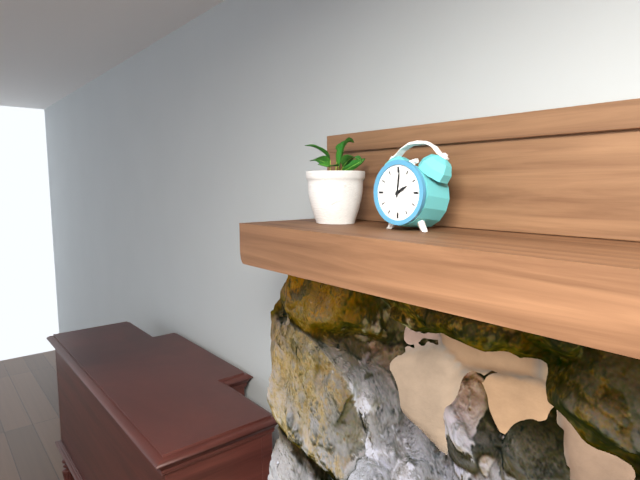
2:01
